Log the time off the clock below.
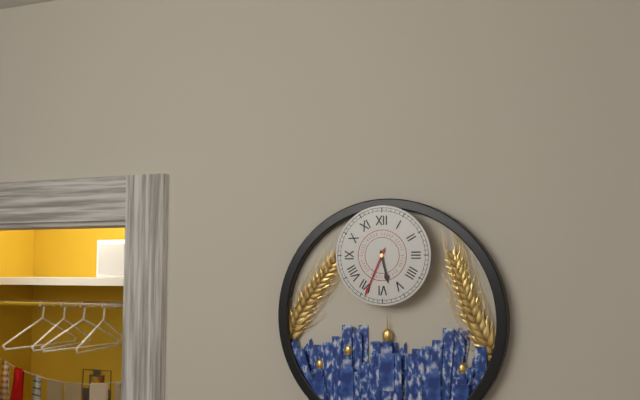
5:34
